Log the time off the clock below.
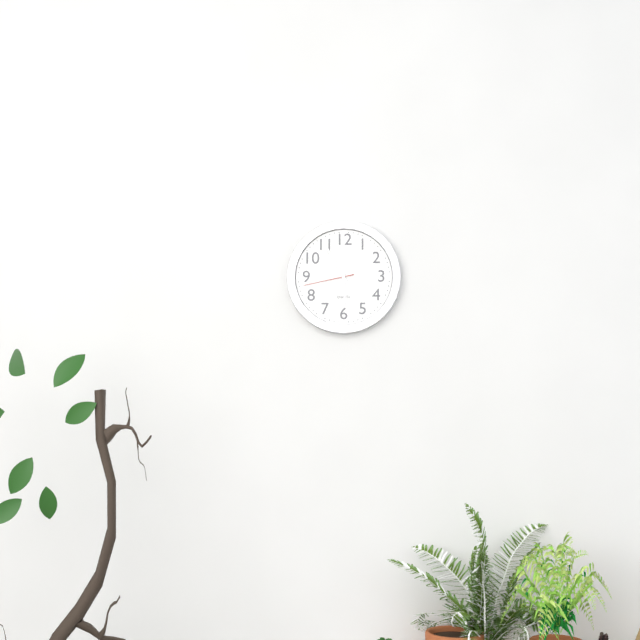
5:55:43
